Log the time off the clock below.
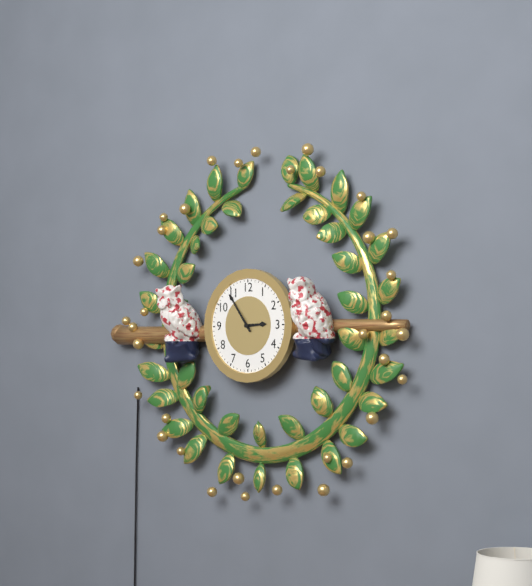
2:54
